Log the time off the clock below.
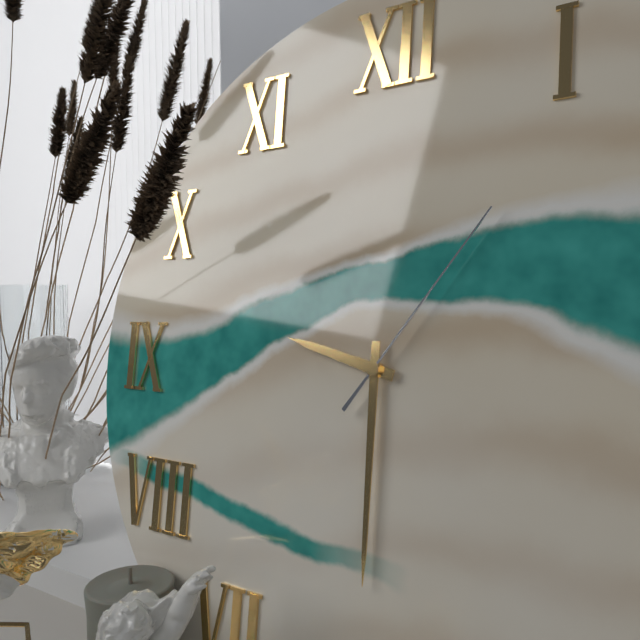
9:30:06
